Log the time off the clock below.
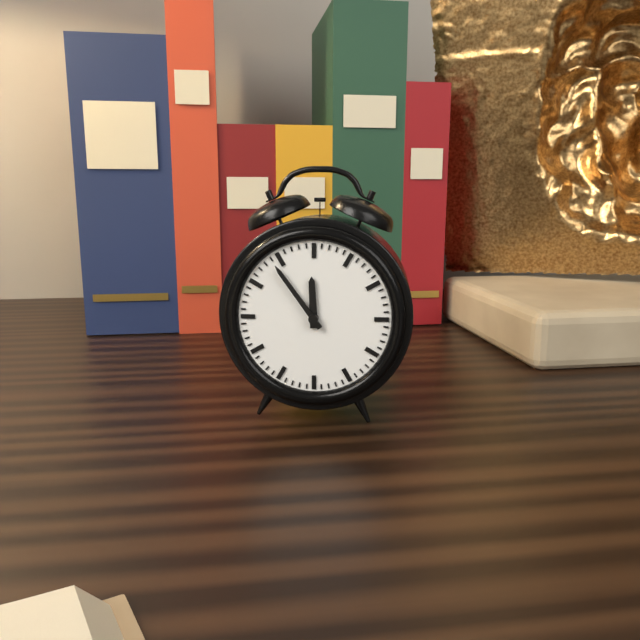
11:54
